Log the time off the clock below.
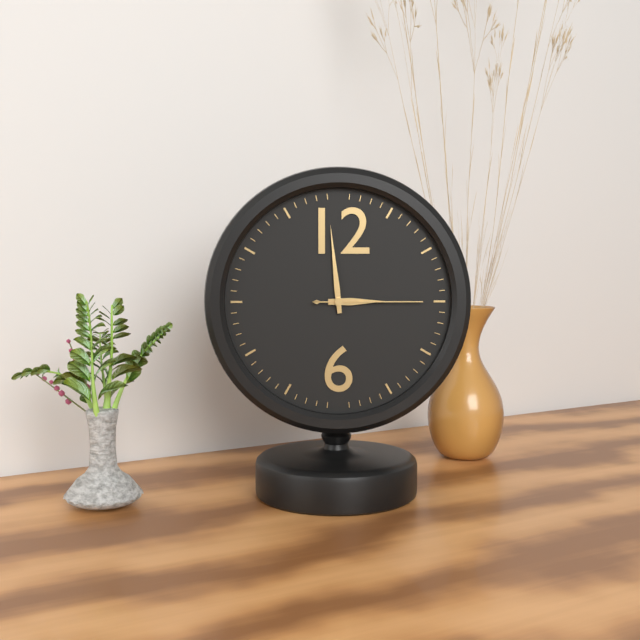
2:59:15
